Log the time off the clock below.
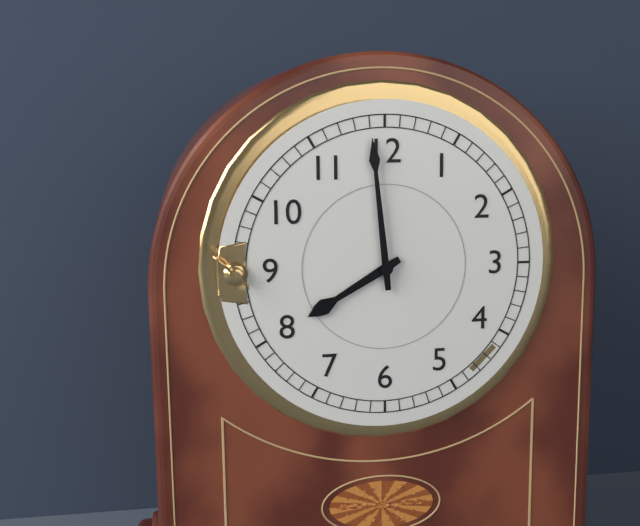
7:59
